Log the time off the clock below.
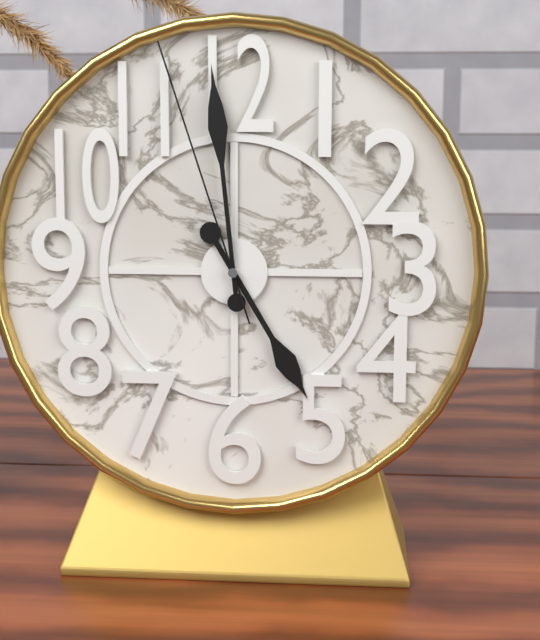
4:59:57
